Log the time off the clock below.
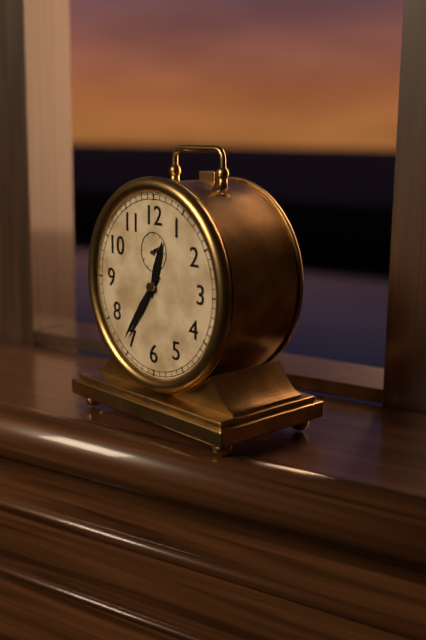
12:36
